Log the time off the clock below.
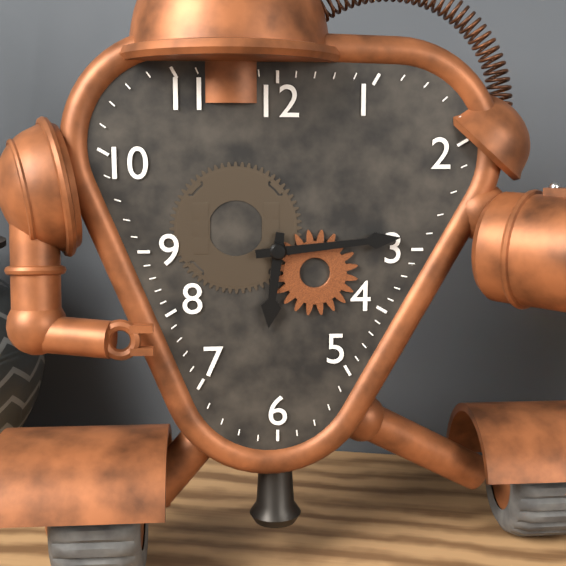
6:14
